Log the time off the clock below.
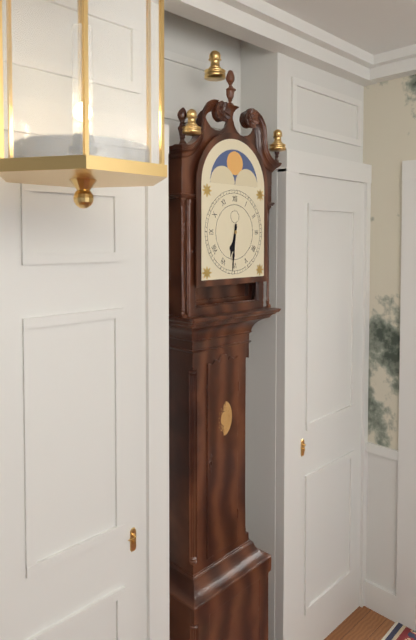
6:31
